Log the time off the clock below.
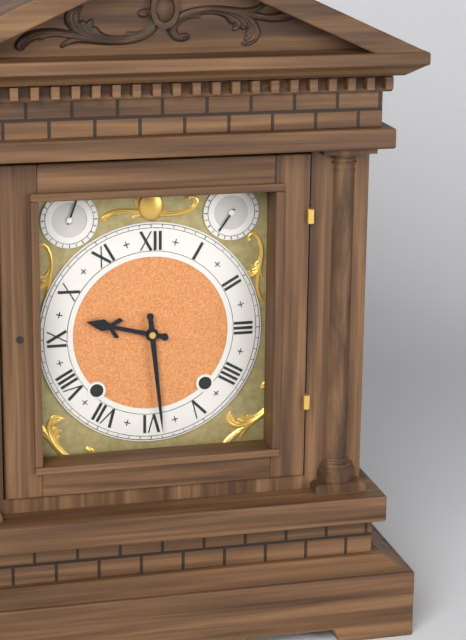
9:29
